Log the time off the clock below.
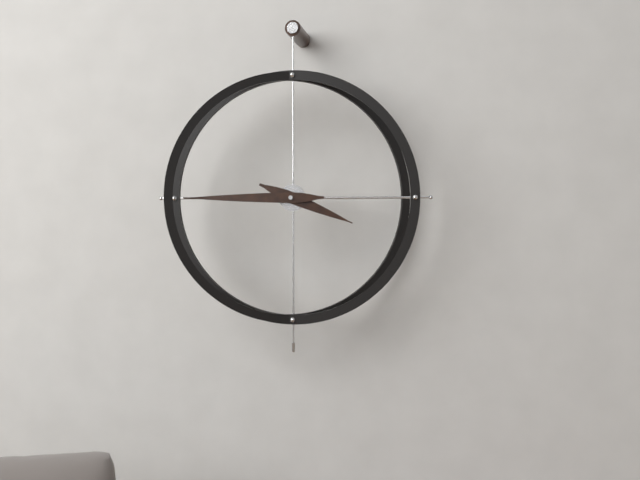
3:45
